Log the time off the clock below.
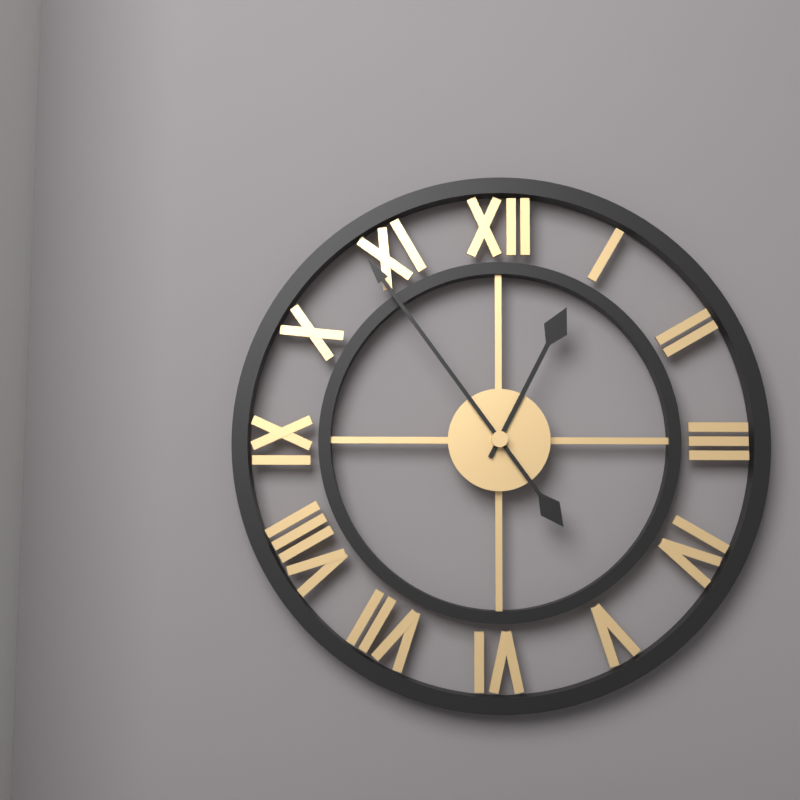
12:54
